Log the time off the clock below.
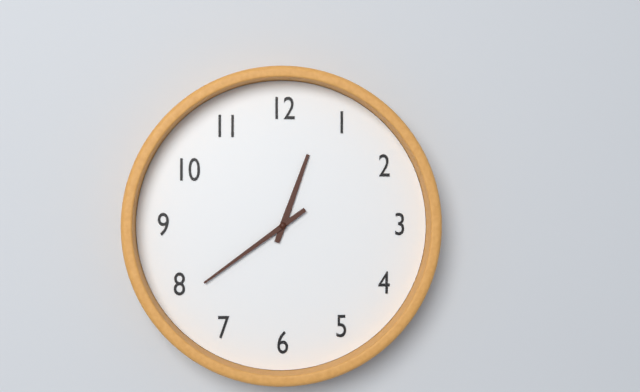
12:39
